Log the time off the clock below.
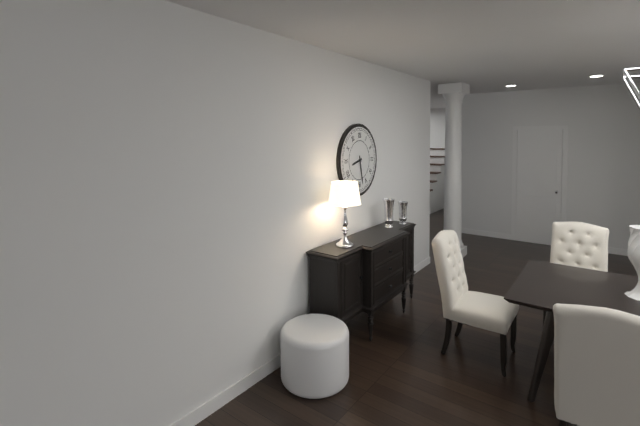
8:28
